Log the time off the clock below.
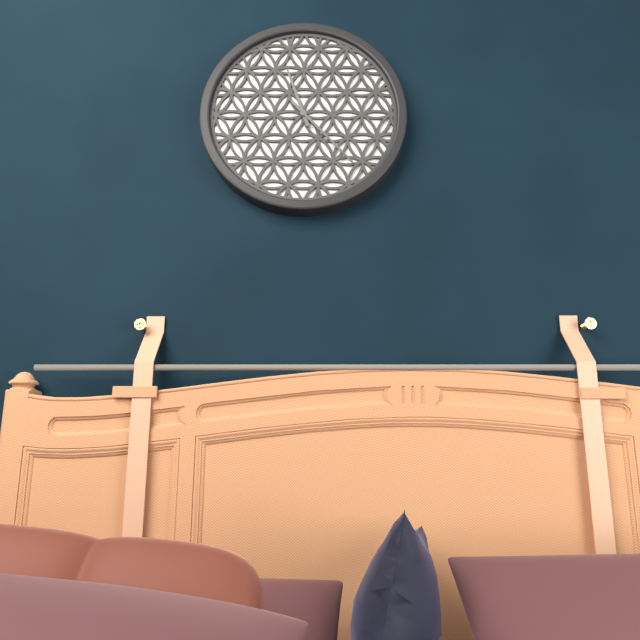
11:23
